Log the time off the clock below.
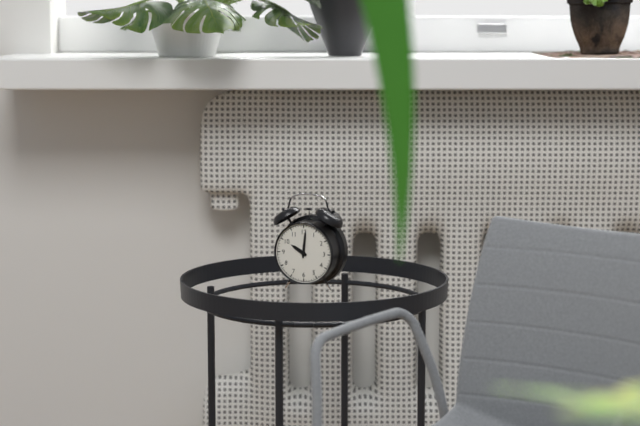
10:01
